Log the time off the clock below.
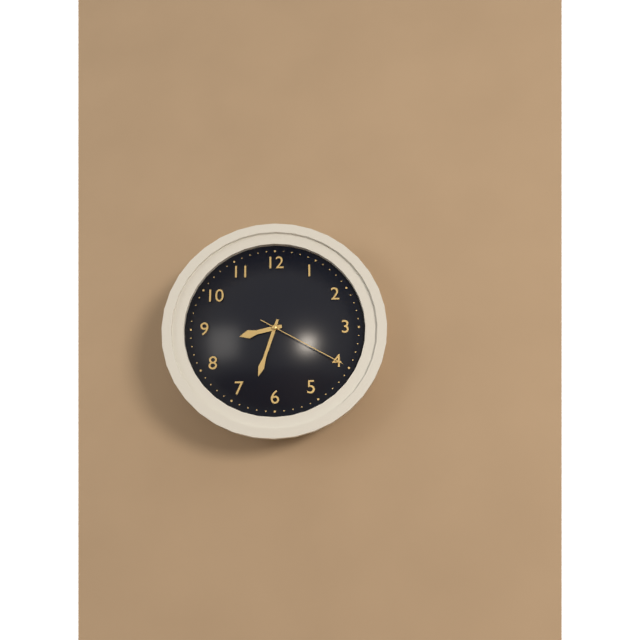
8:33:20
